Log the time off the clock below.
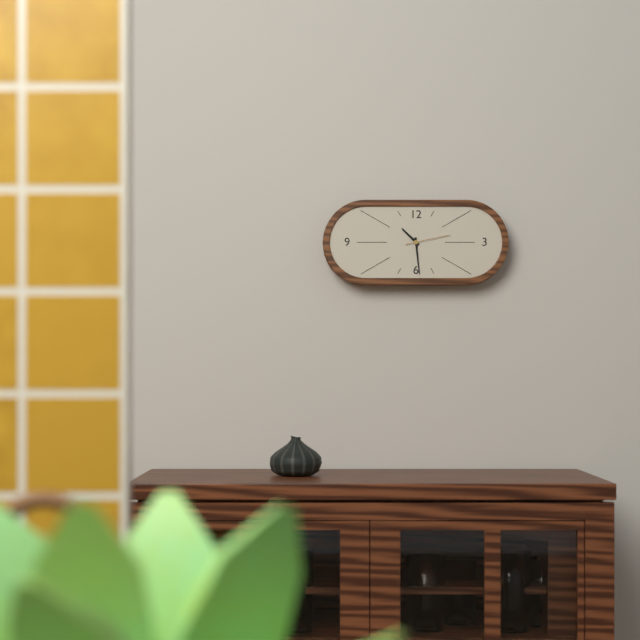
10:29
